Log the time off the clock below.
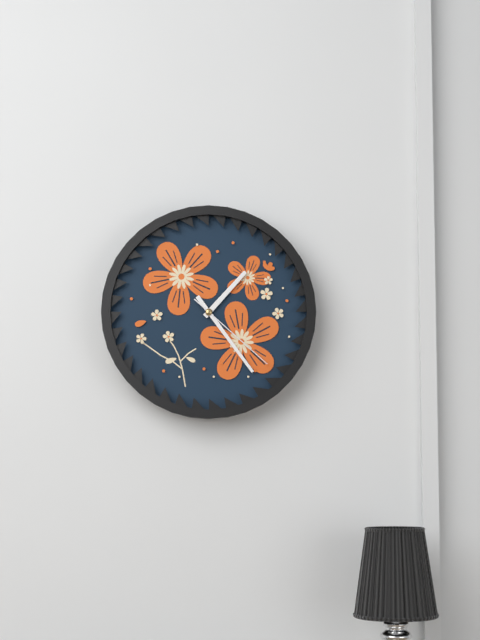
1:24:22
